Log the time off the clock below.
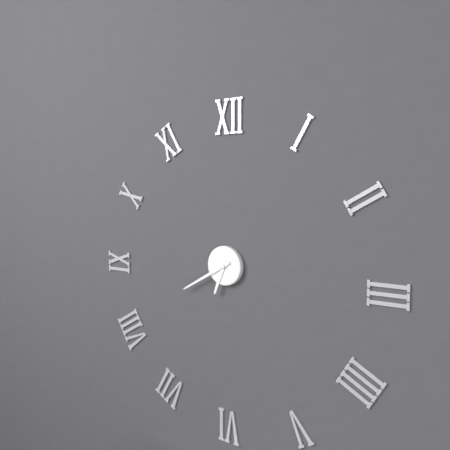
6:40
